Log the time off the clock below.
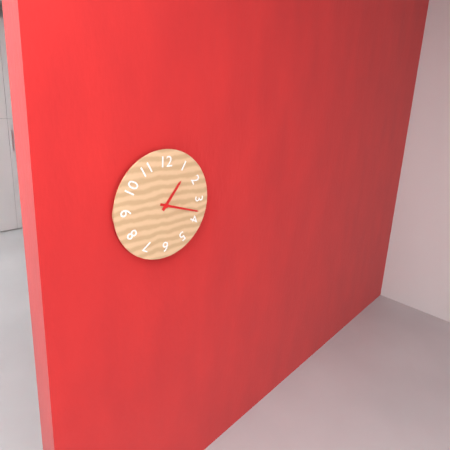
1:18
